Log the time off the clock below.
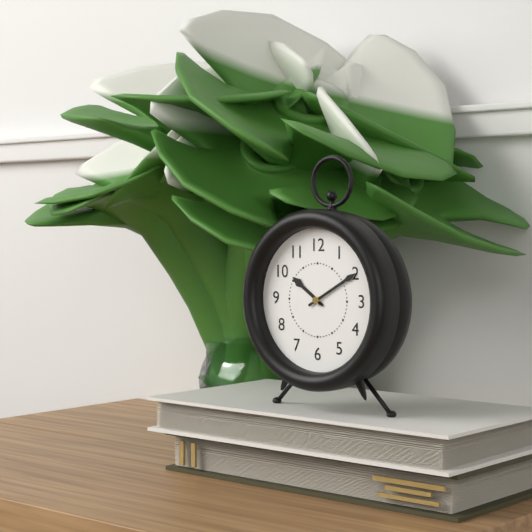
10:10
